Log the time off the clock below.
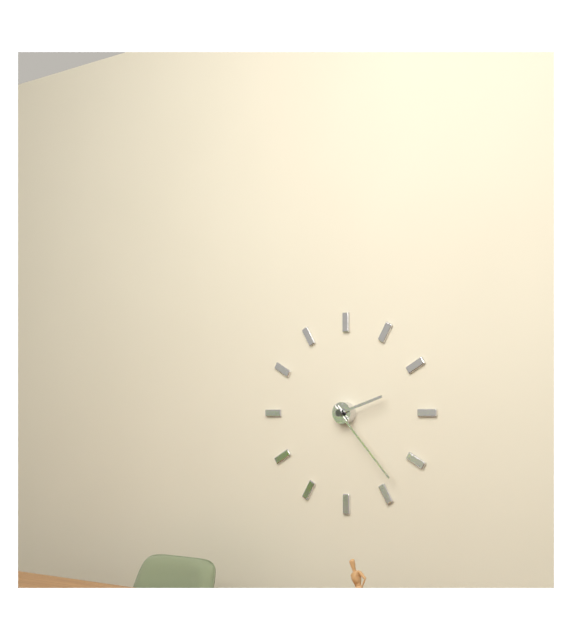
2:23
